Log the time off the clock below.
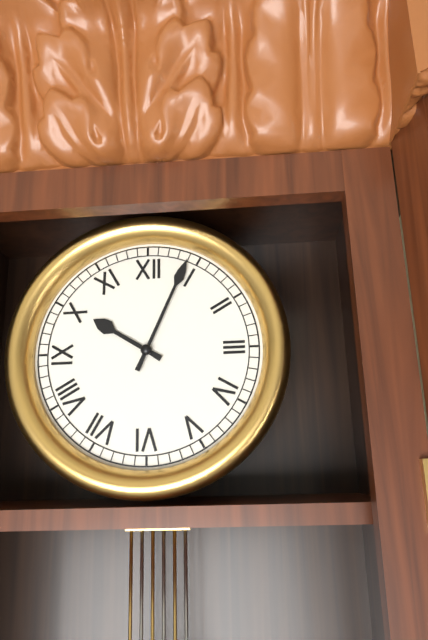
10:04
